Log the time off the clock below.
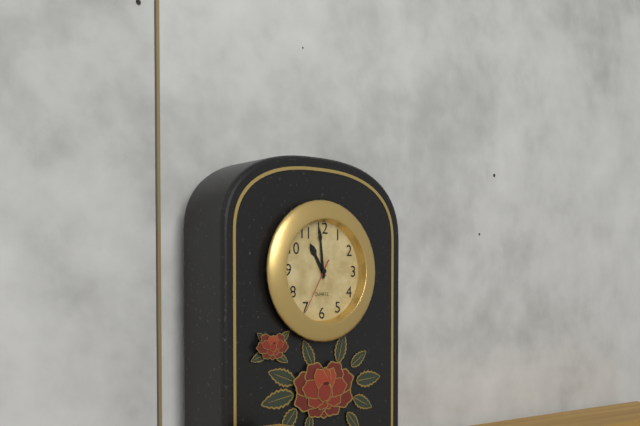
10:59:35
